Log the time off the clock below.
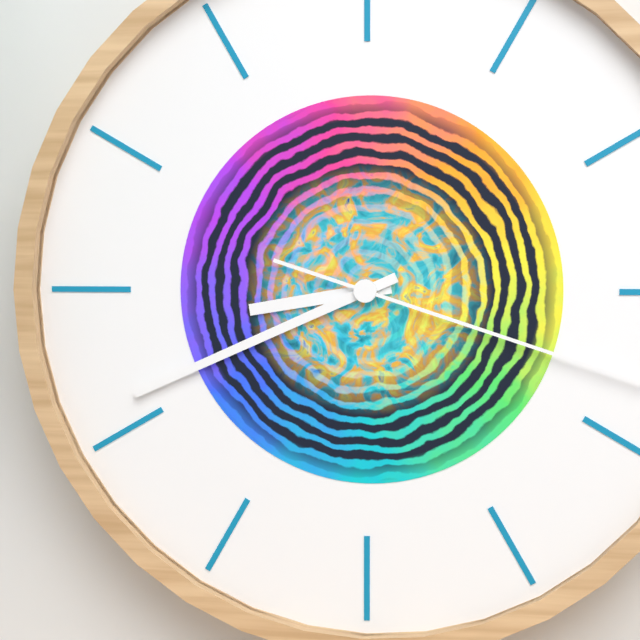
8:41
